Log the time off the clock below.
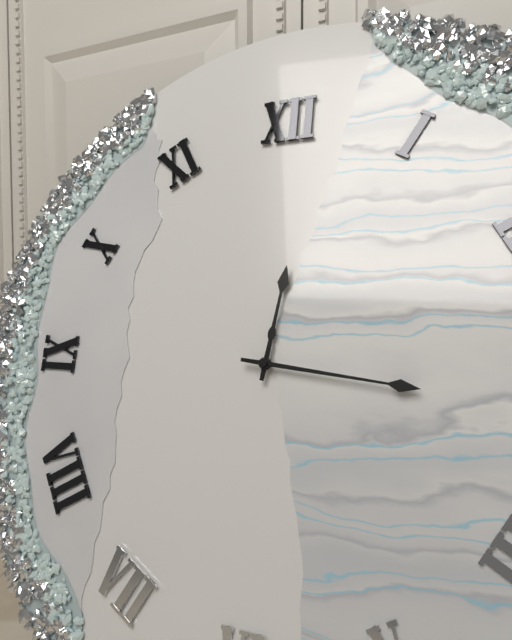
12:16
